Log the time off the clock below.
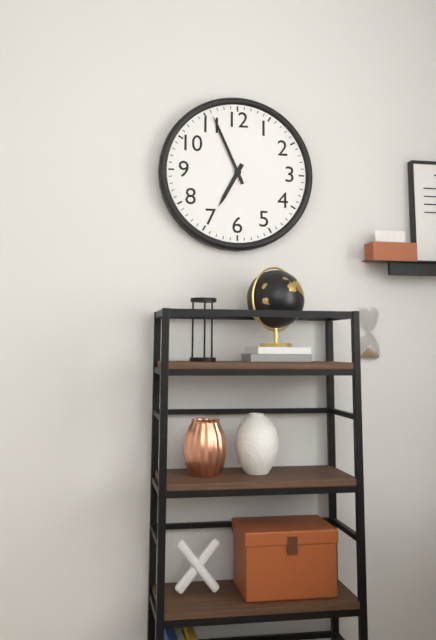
6:56
